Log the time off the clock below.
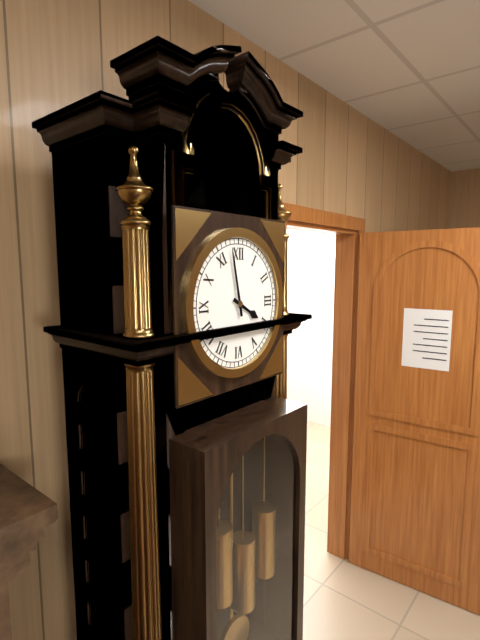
3:58
